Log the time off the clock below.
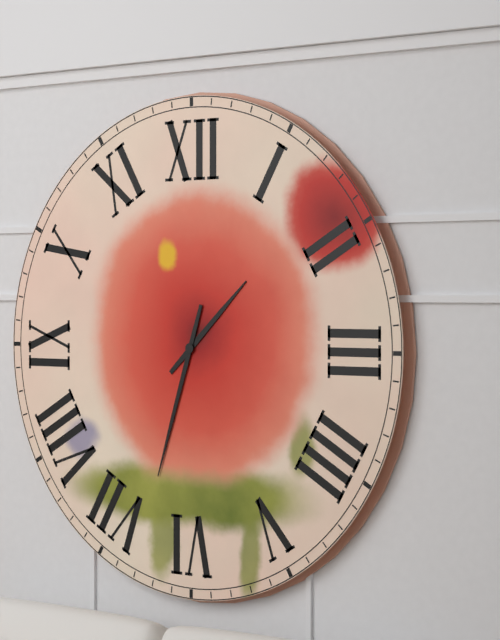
1:33
